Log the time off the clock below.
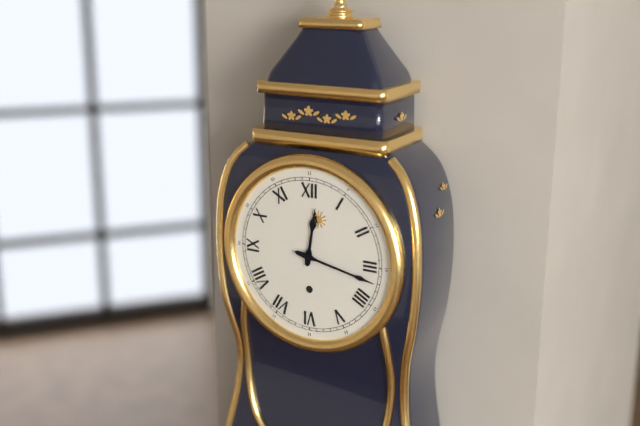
12:17
